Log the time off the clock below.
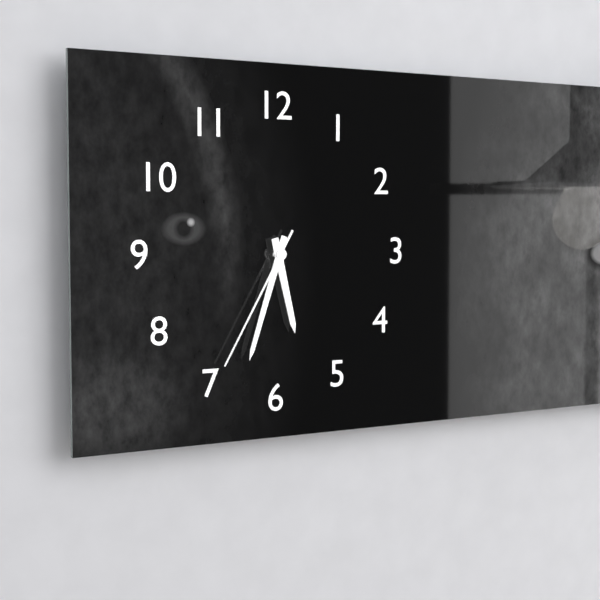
5:33:35
